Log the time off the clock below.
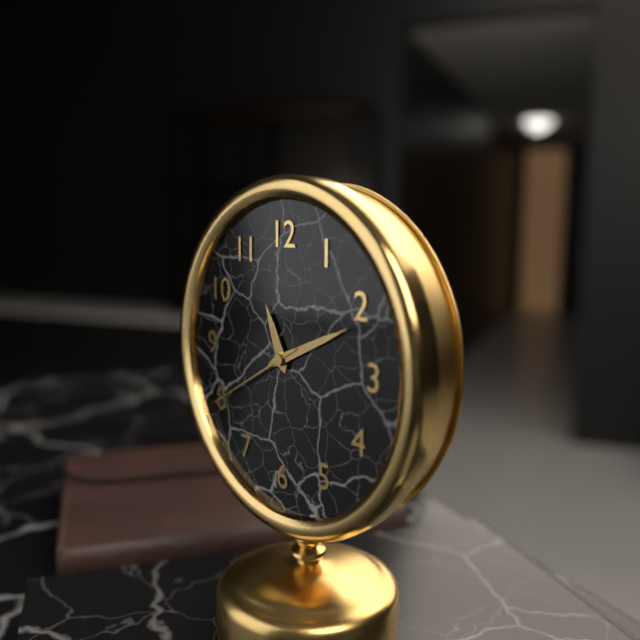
11:11:40
